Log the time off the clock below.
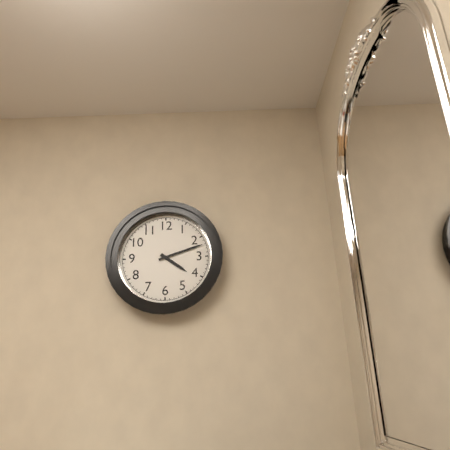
4:12
